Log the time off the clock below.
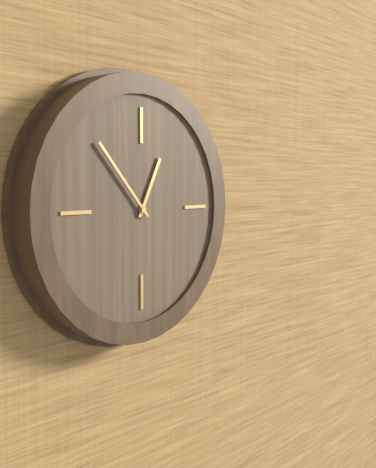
12:53
